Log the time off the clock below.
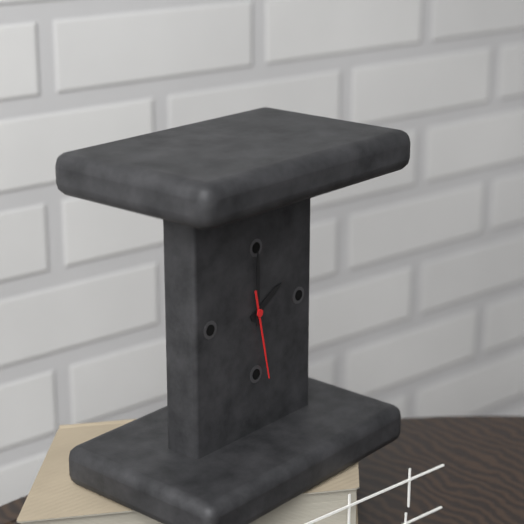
2:00:28
